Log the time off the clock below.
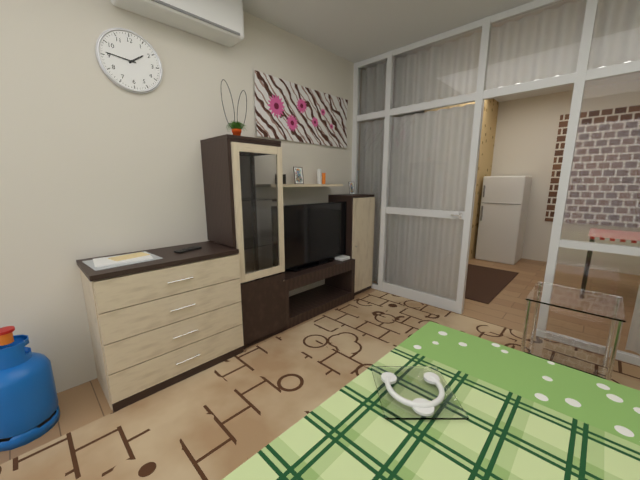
1:46
